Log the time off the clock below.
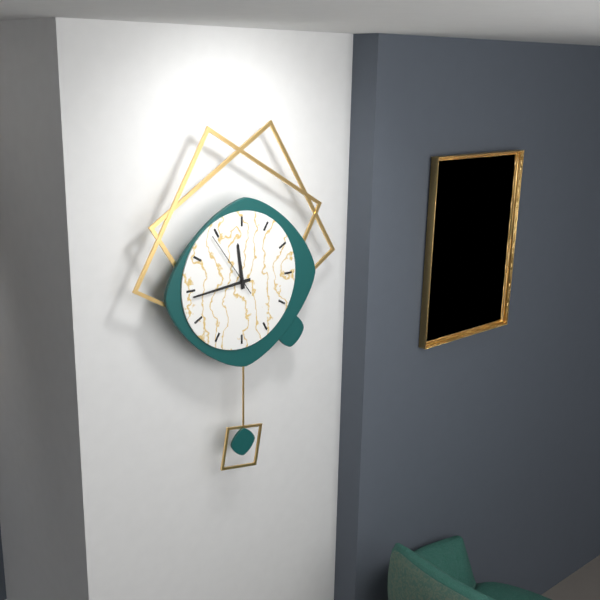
11:44:54
